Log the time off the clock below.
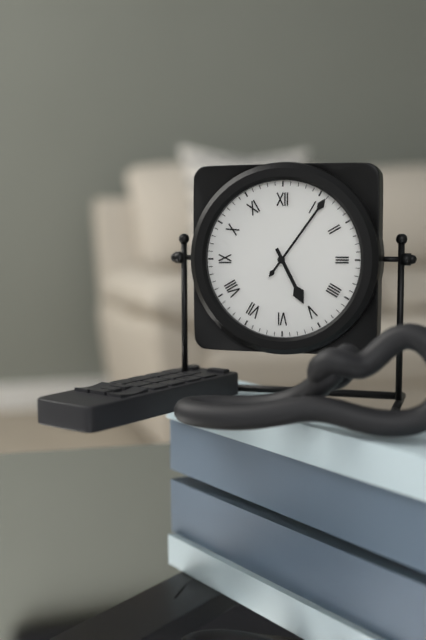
5:06
